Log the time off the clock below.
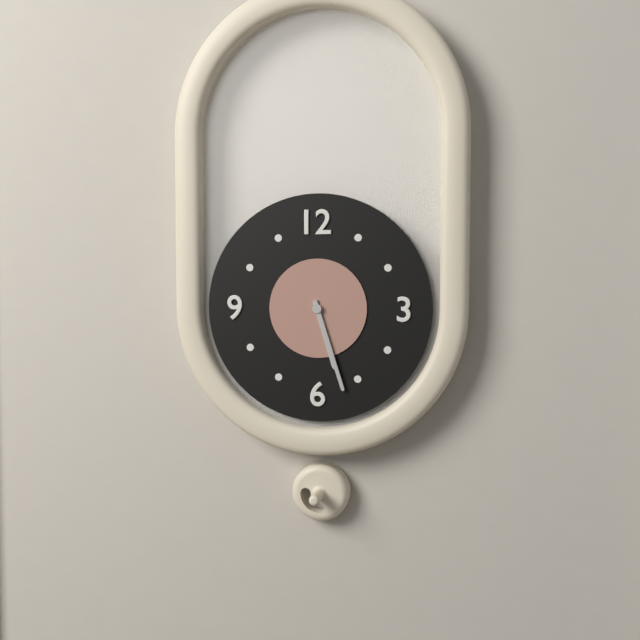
5:27
